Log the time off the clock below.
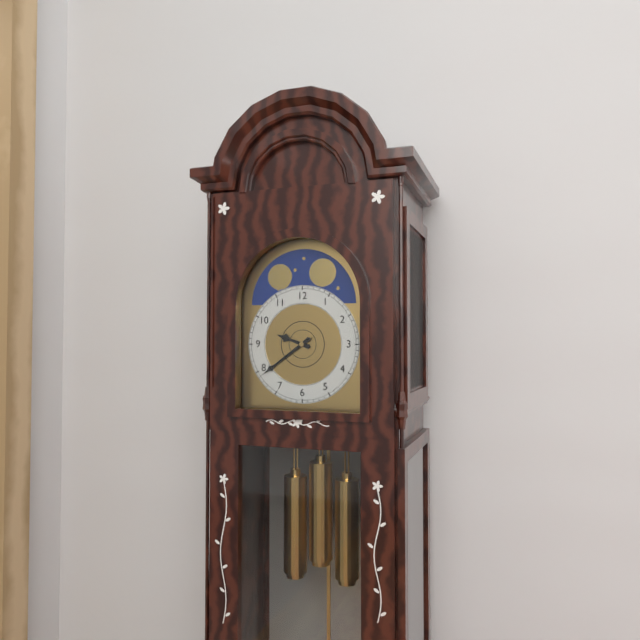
9:39
